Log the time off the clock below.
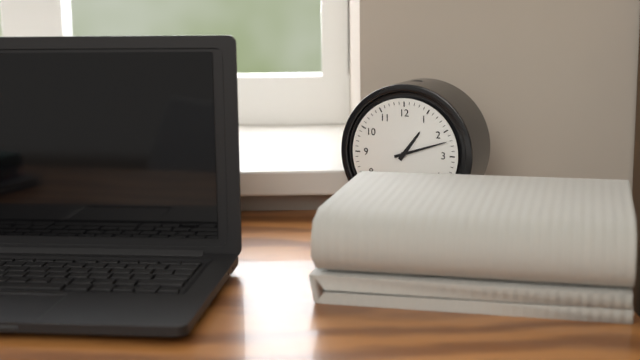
1:12
